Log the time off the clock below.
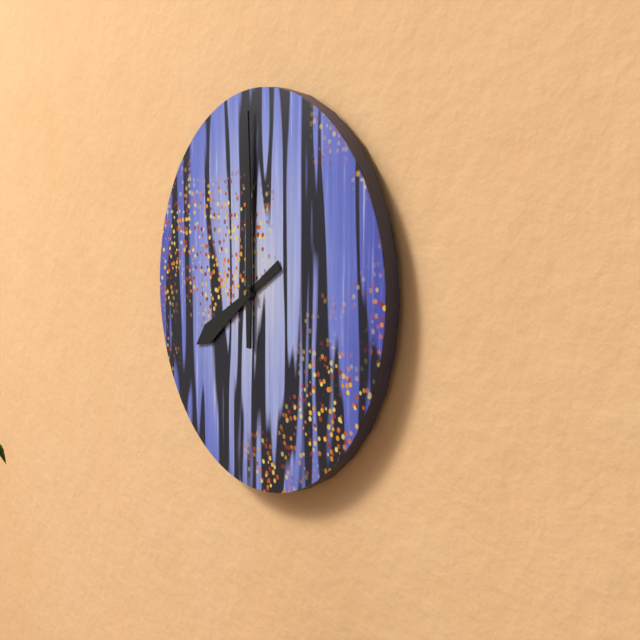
8:00
